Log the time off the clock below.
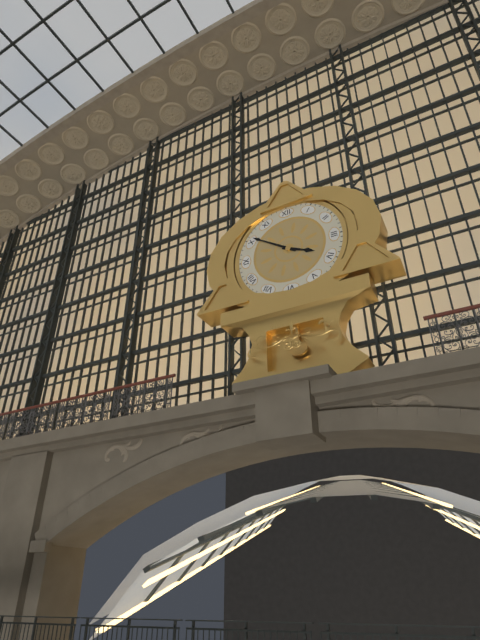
3:51
